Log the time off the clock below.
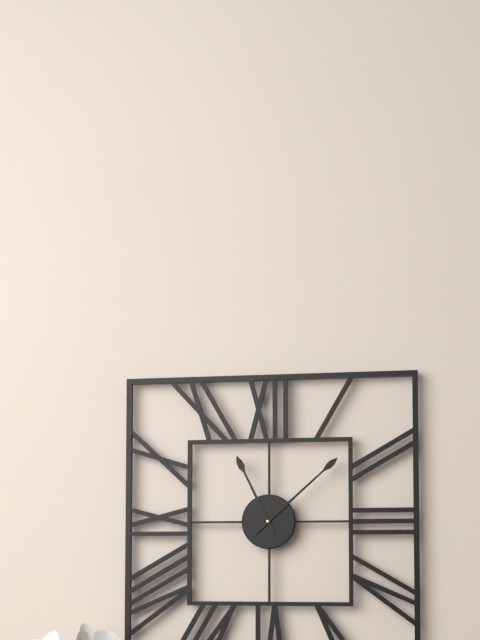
11:08
